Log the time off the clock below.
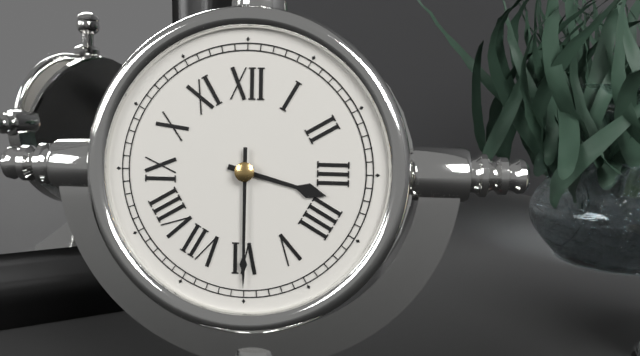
3:30
